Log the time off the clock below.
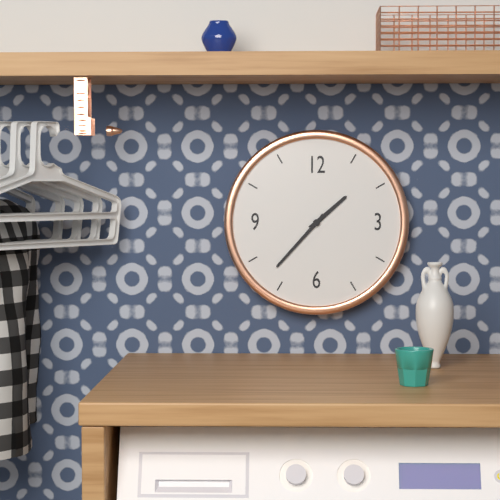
1:37
